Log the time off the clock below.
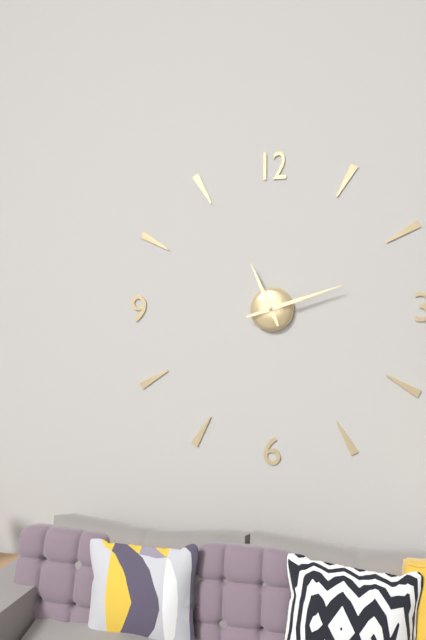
11:12
